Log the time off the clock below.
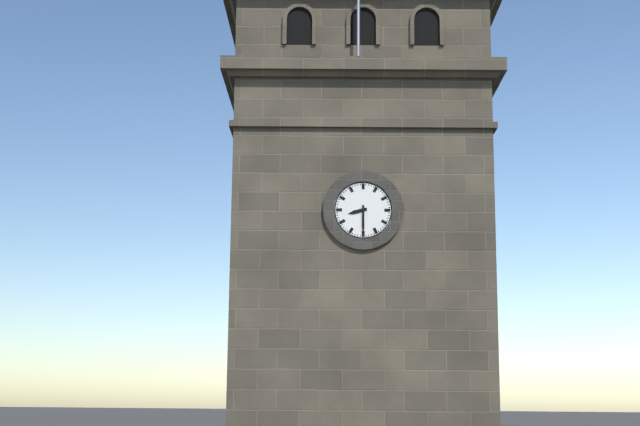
8:30
